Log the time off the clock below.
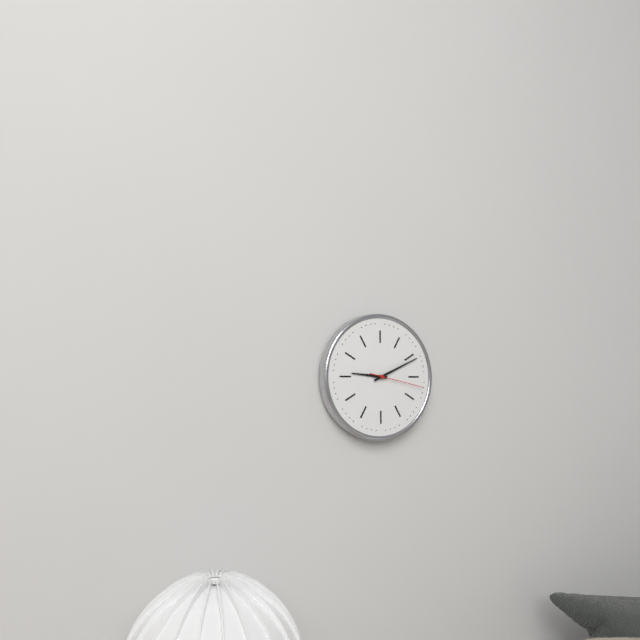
9:11:17
